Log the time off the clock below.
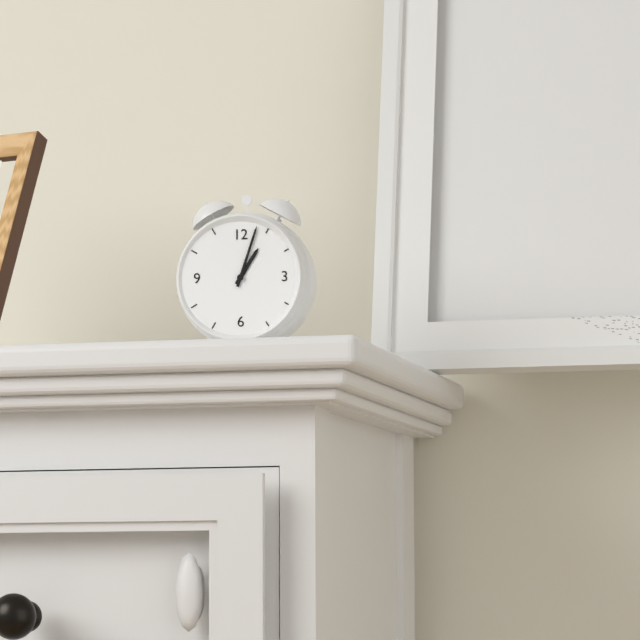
1:03
